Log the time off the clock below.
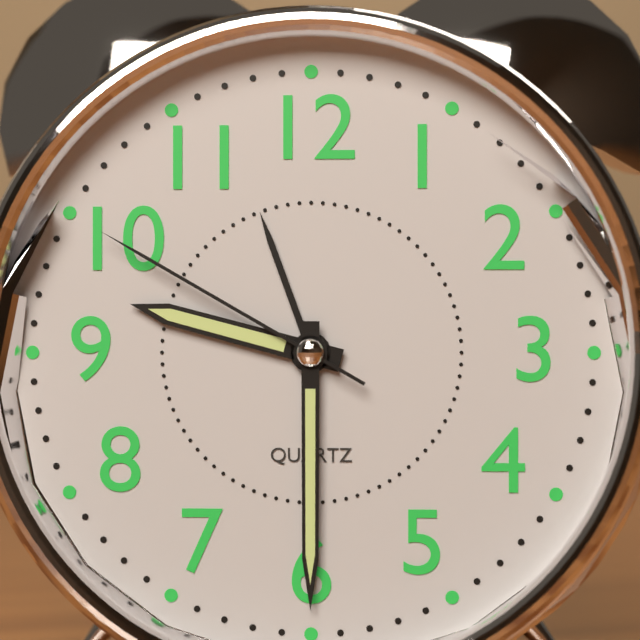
9:30:50
